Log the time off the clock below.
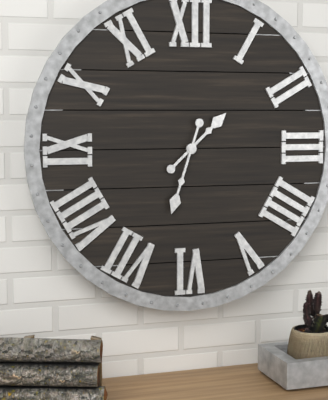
1:33
